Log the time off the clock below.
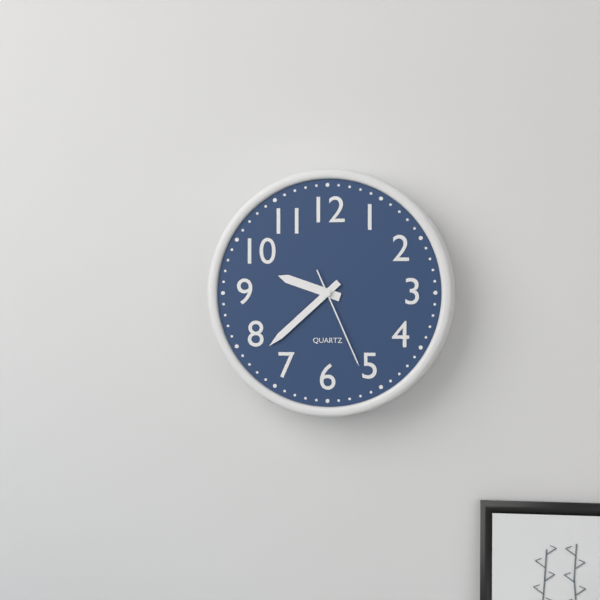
9:38:26
